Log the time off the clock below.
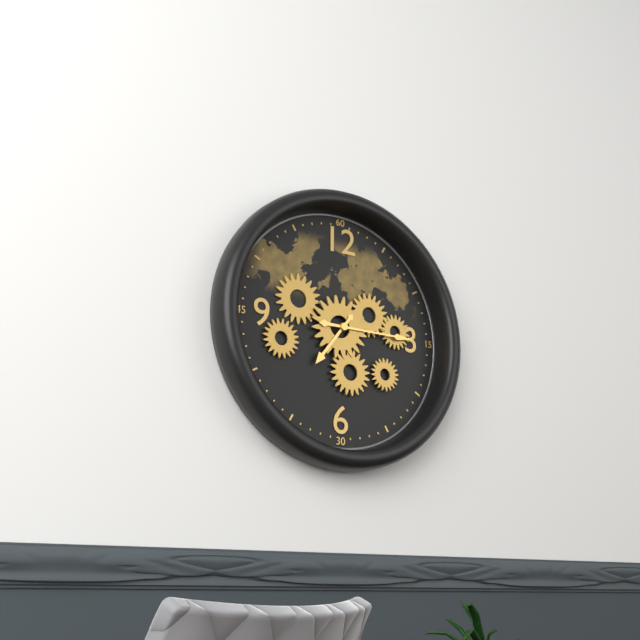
7:15
